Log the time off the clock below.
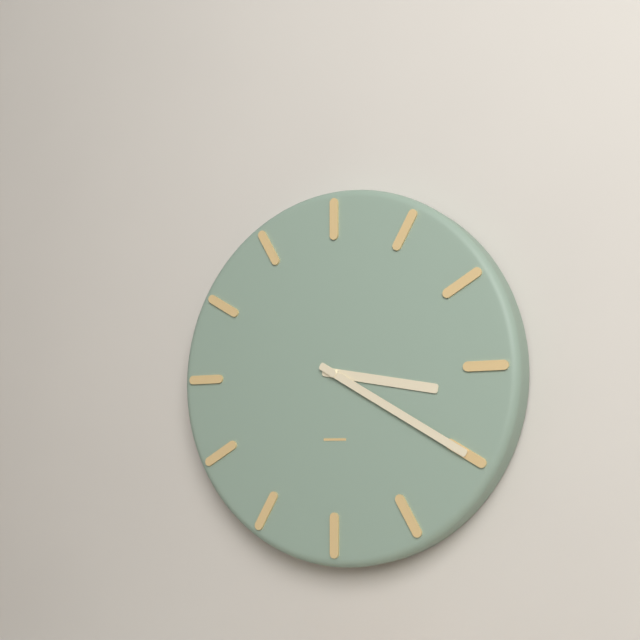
3:20
